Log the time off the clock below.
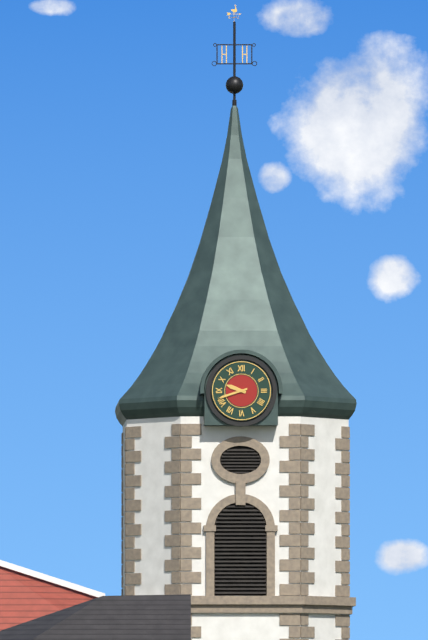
9:42
